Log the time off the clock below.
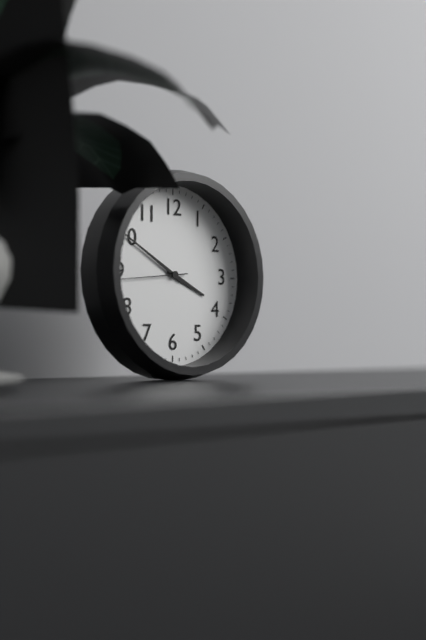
3:50:44
